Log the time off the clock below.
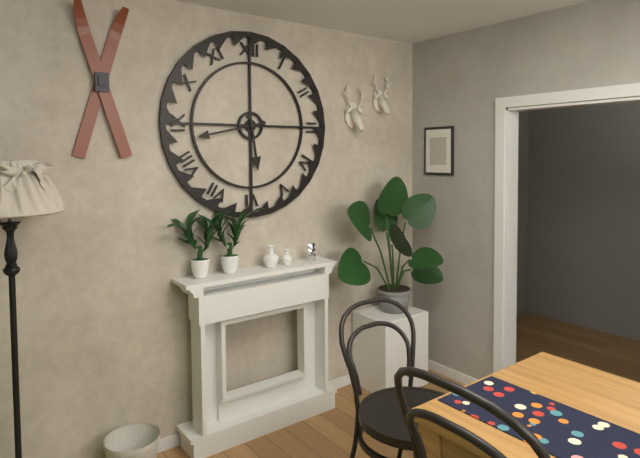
5:43
